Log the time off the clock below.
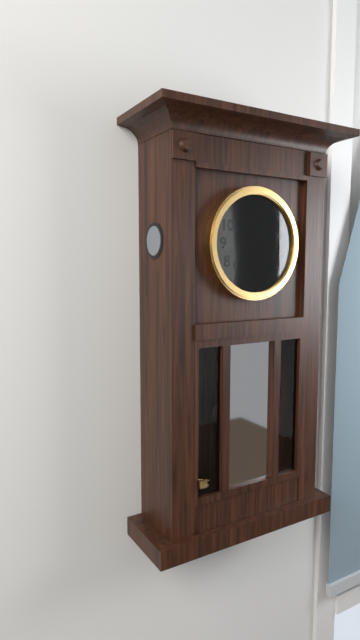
1:57
